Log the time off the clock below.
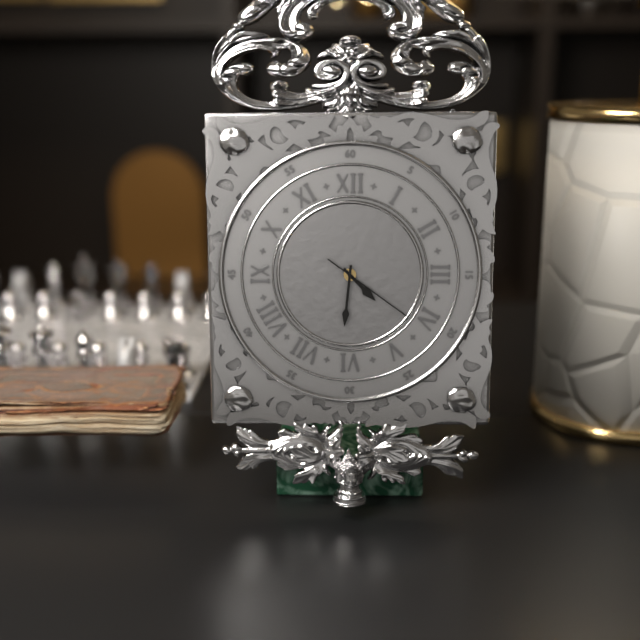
4:31:21
